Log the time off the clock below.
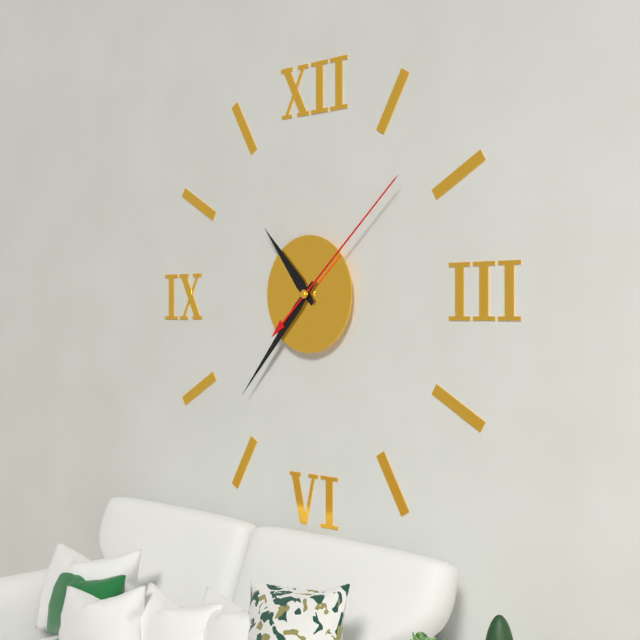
10:37:08
